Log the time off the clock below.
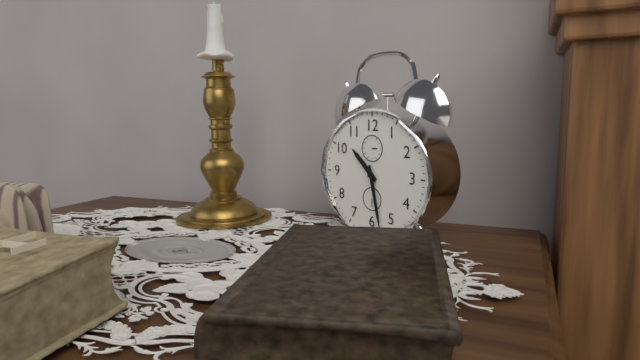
10:28
